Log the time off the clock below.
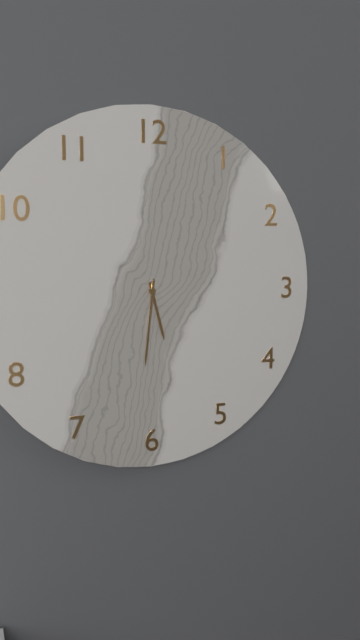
5:31
